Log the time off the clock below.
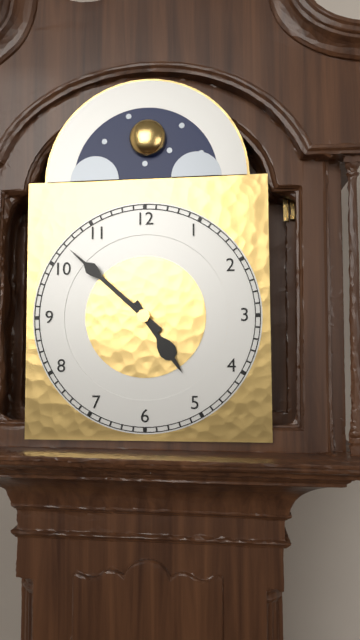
4:52
